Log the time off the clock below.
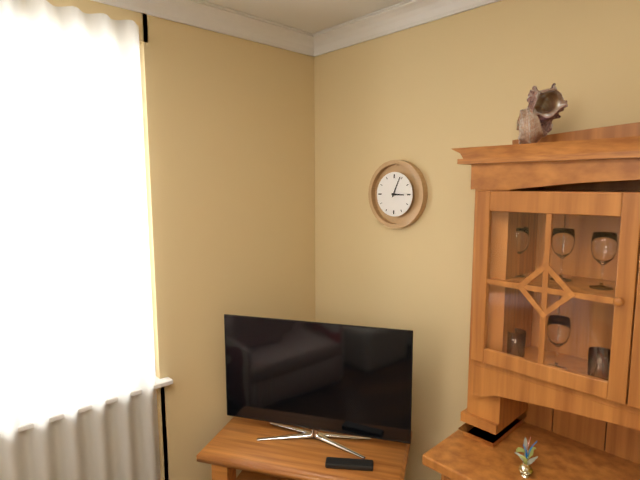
3:04
